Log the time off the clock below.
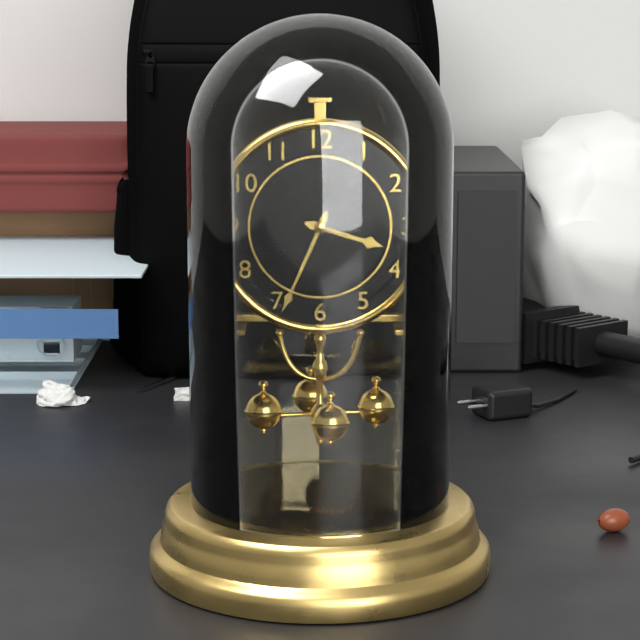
3:34
